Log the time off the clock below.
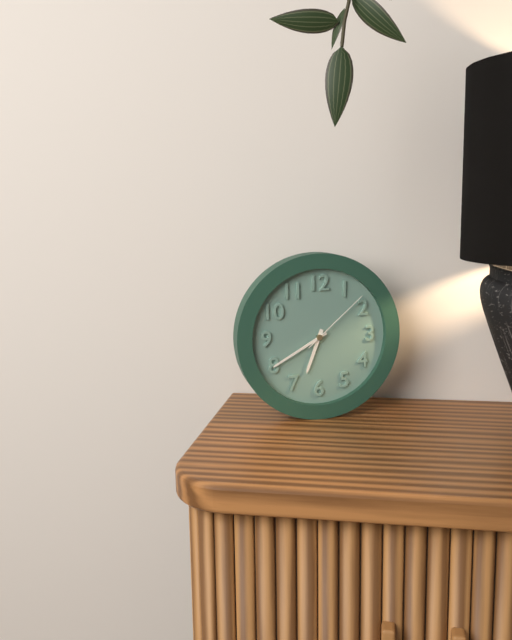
6:40:08
